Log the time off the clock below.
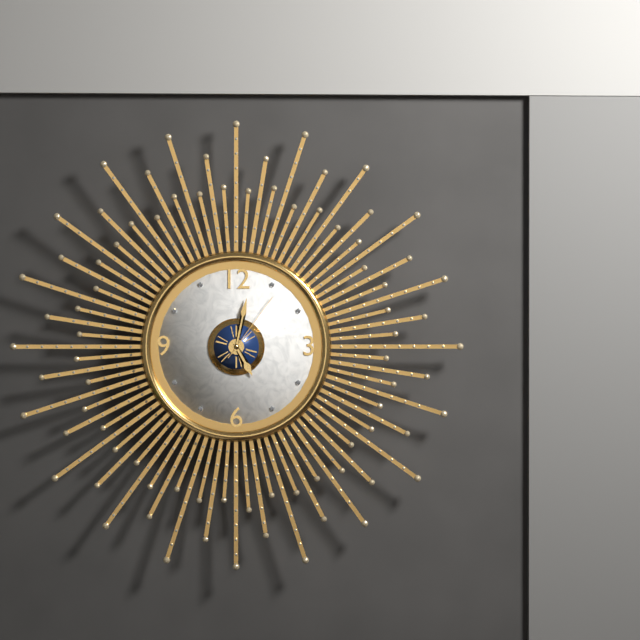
5:02:06
